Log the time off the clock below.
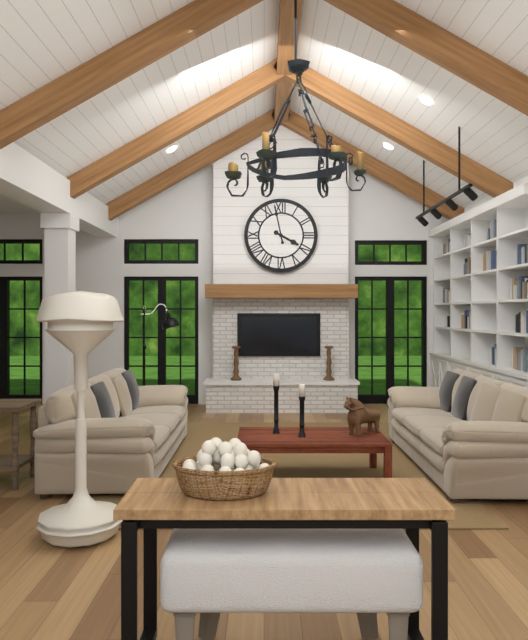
3:58
